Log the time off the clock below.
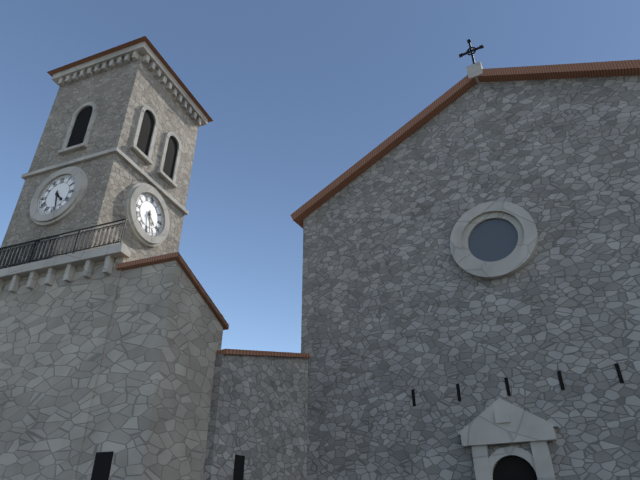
4:28
